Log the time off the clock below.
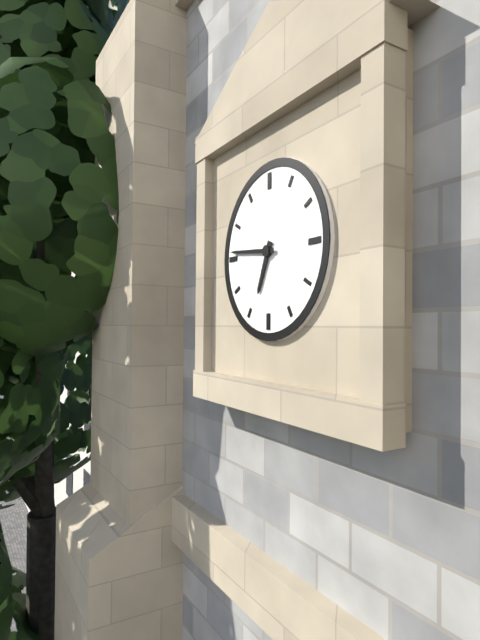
6:46
